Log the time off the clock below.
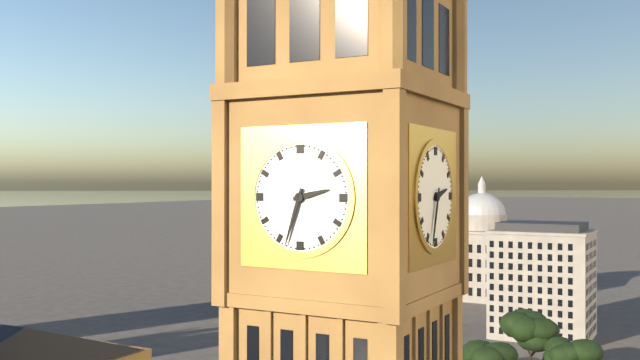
2:33
